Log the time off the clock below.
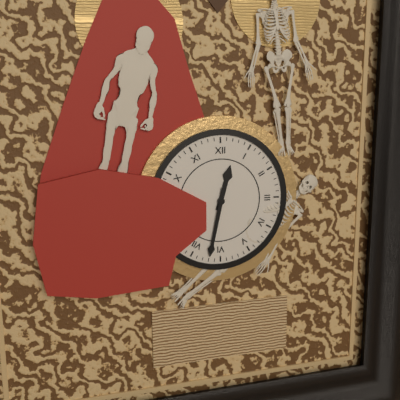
12:32
